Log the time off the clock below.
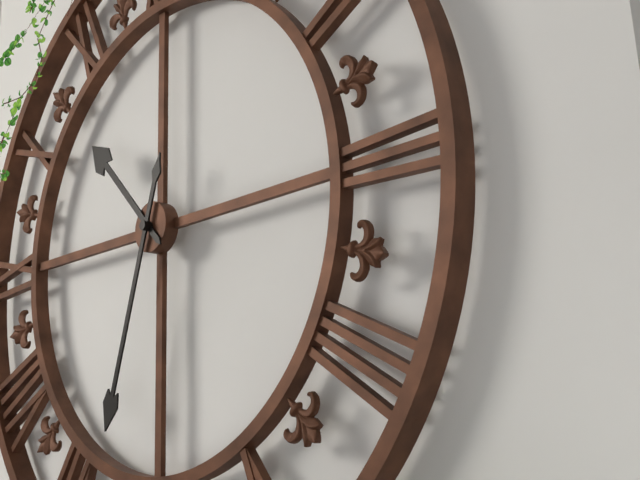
10:33
